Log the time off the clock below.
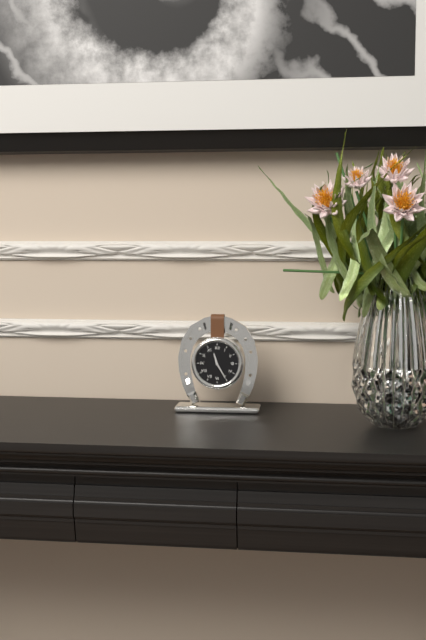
11:25
